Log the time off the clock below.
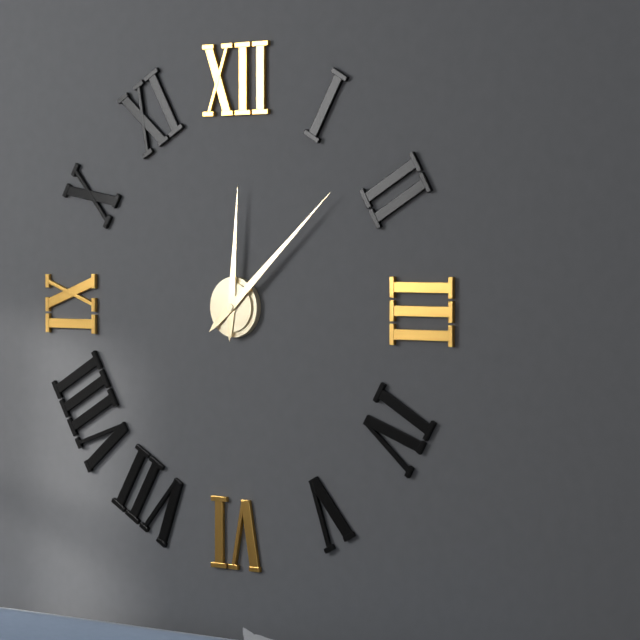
12:08
